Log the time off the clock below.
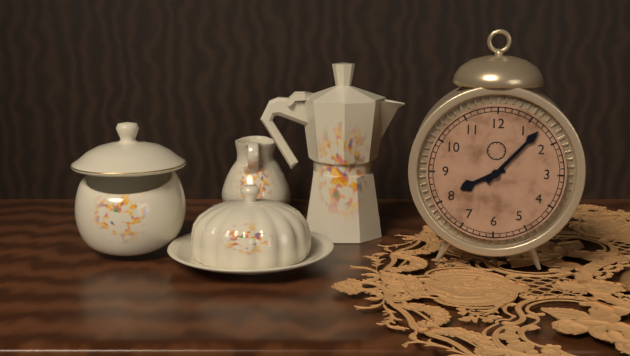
8:07
